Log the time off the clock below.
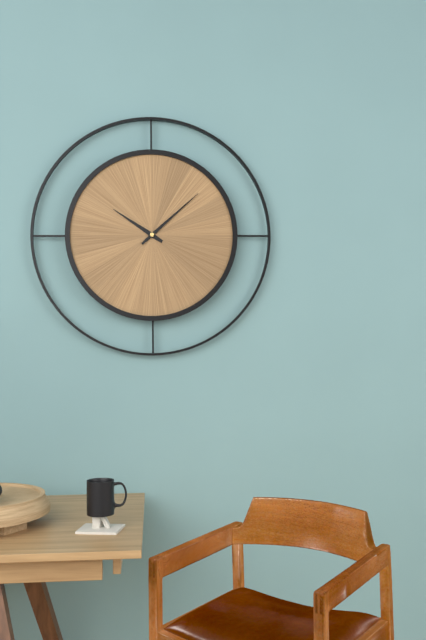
10:08
